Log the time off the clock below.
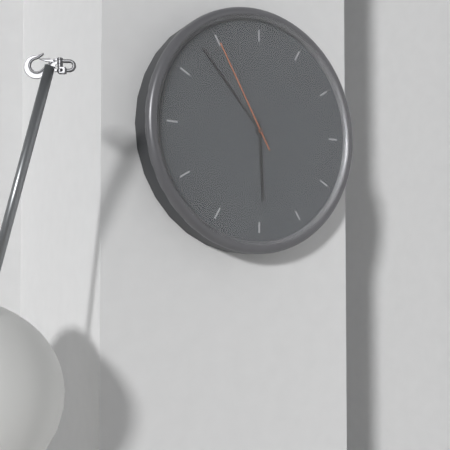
5:53:55
